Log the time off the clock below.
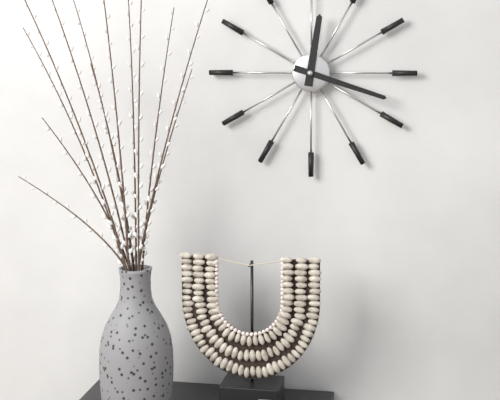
12:18
